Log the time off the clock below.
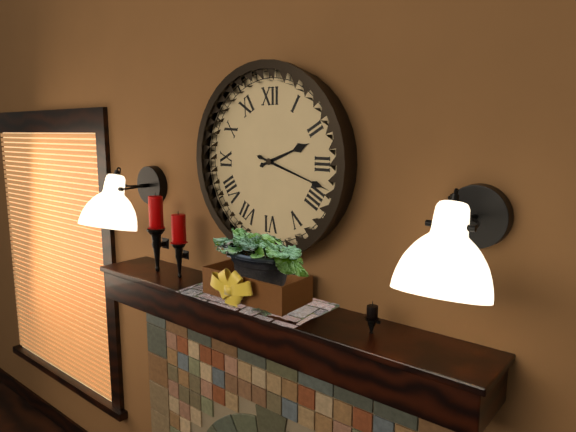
2:18
